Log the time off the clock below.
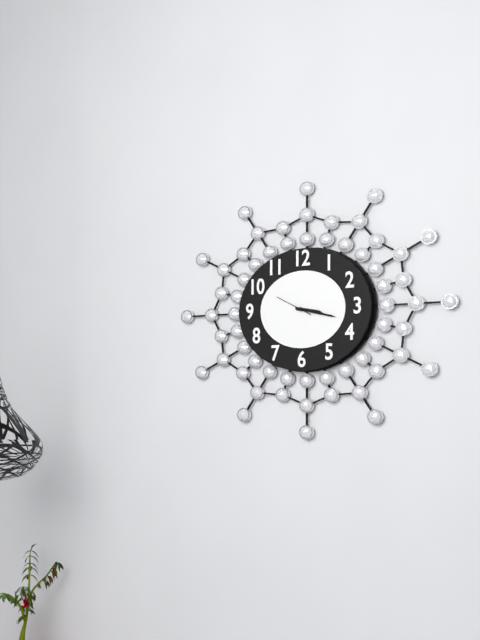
3:17
